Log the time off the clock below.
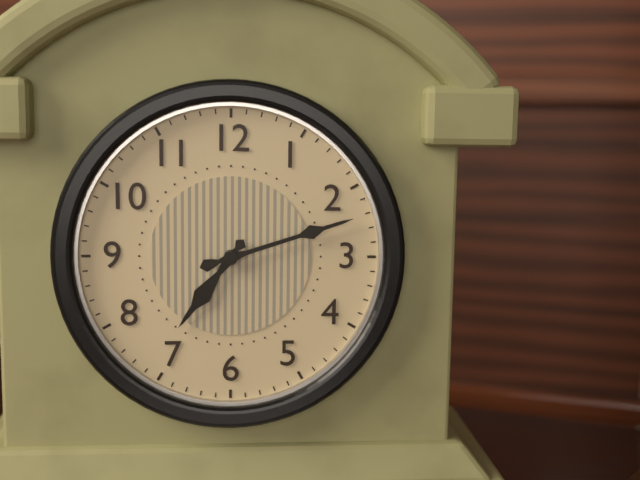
7:12
